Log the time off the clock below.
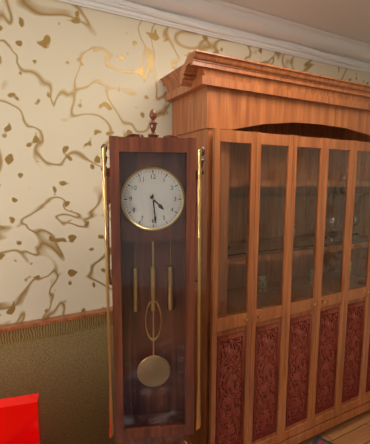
4:29
